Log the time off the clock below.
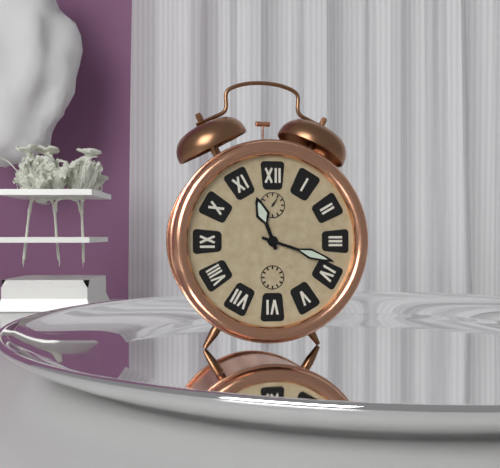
11:18
